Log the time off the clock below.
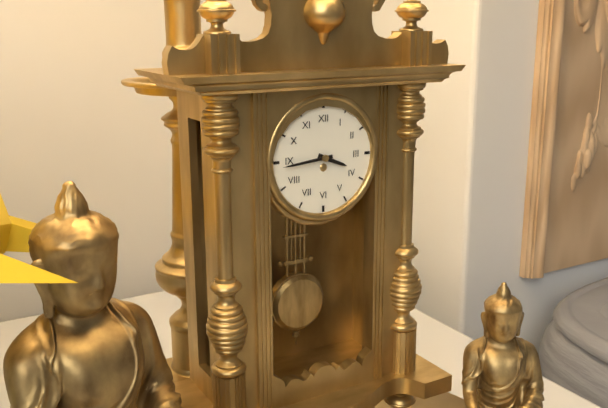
3:44
